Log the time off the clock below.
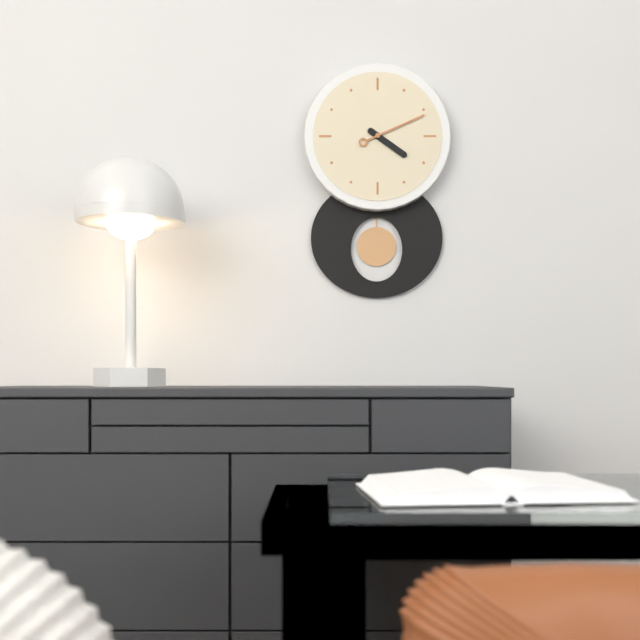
4:11
